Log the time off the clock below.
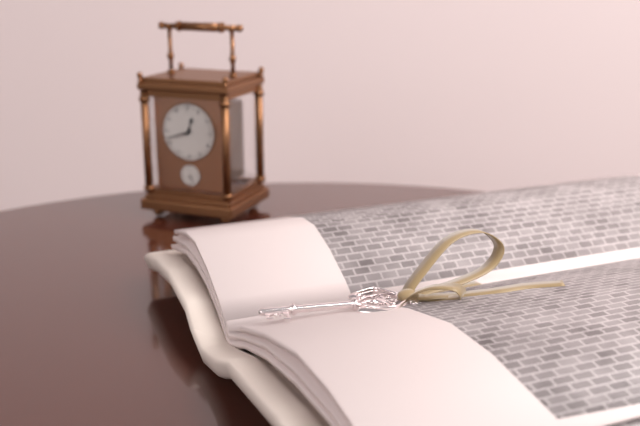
12:42
